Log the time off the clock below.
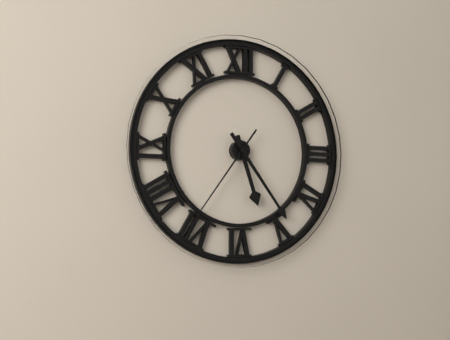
5:24:36
